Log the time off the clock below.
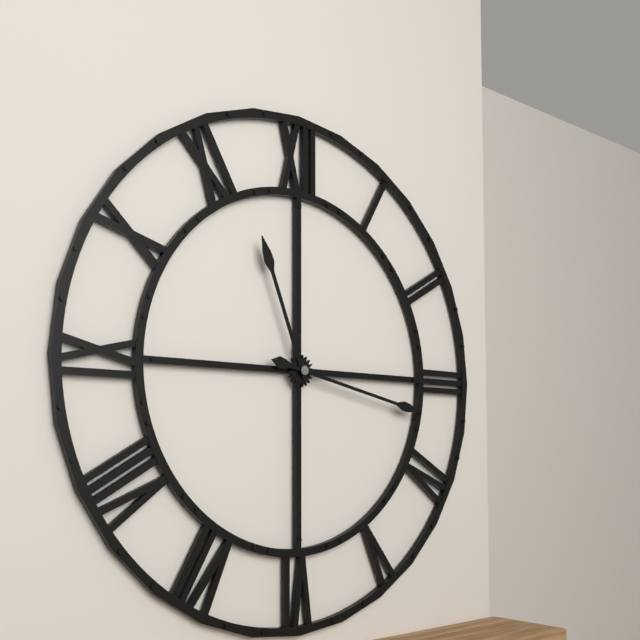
11:17
